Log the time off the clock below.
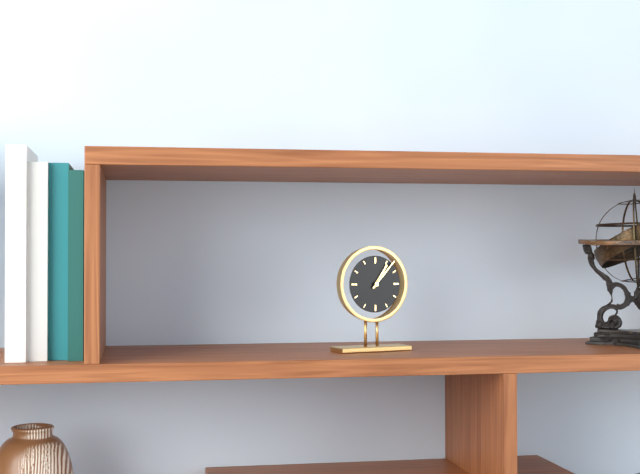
1:07
